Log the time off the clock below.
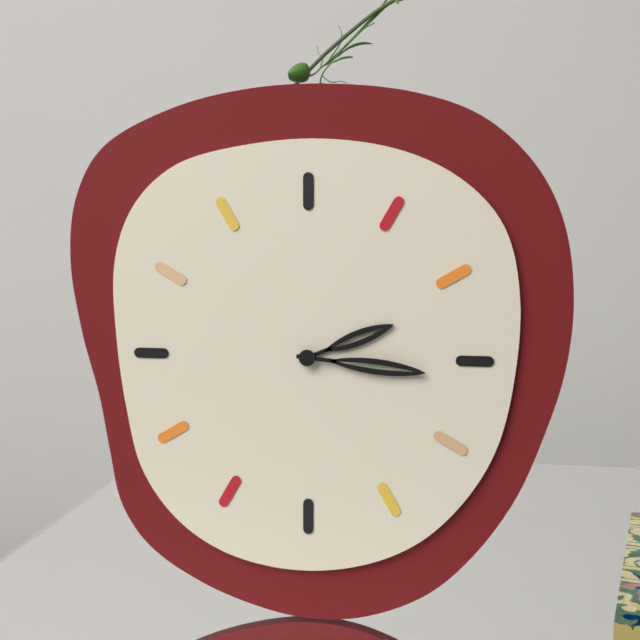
2:16
